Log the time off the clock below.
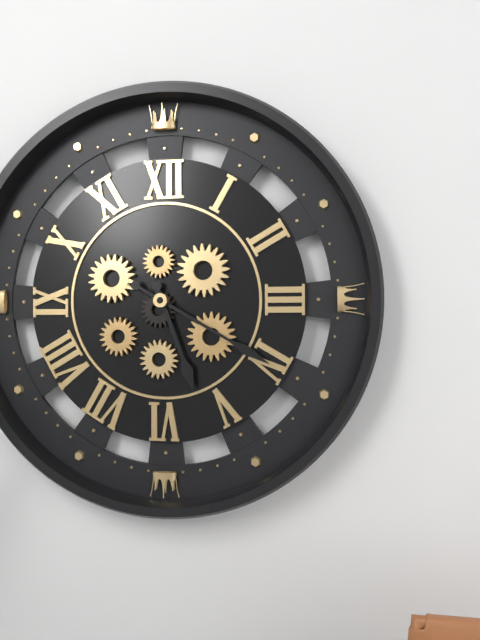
5:20
